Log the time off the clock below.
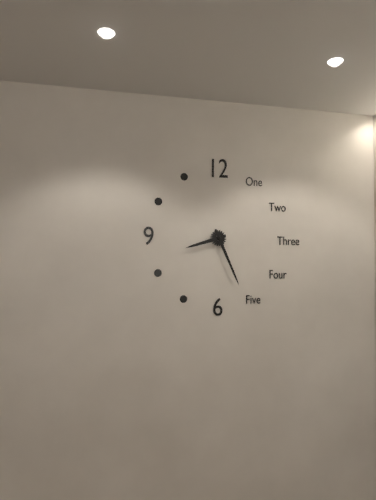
8:26
